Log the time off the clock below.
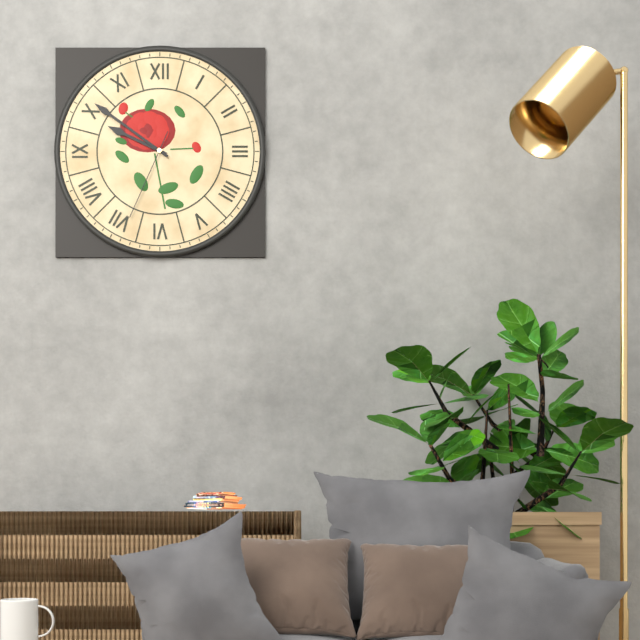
9:51:34
